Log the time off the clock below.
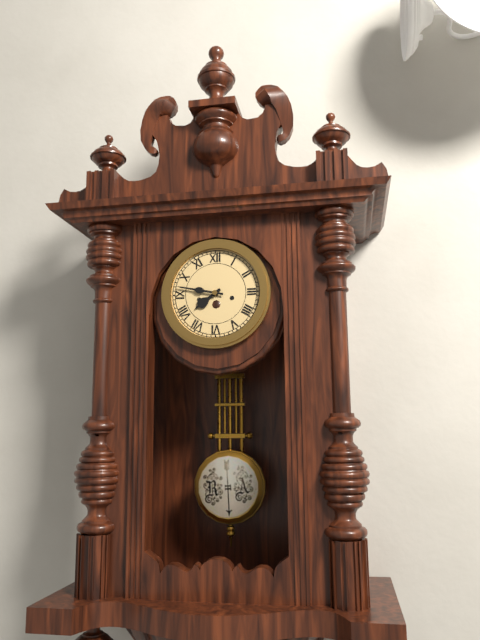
7:47
